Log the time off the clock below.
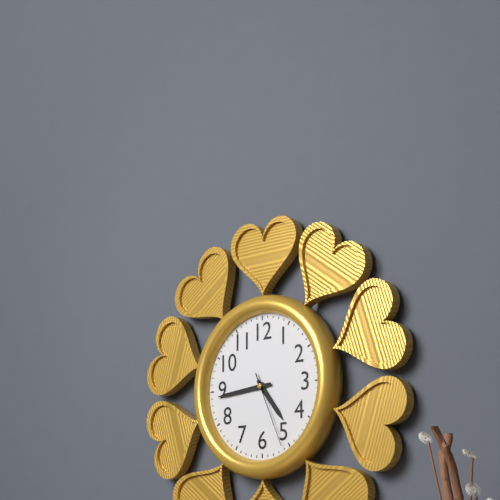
4:44:26
